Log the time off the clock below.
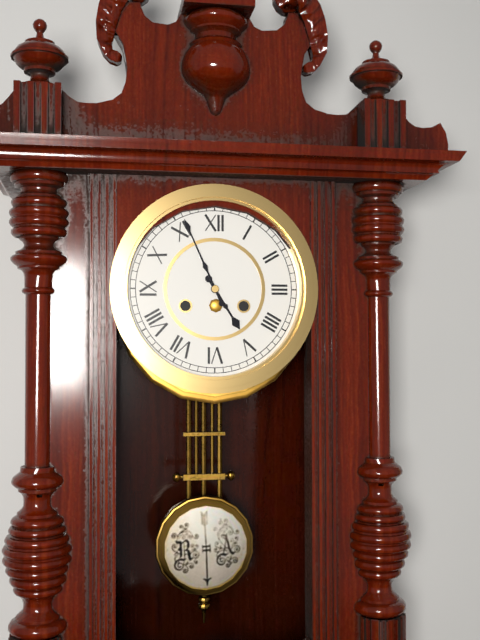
4:56
